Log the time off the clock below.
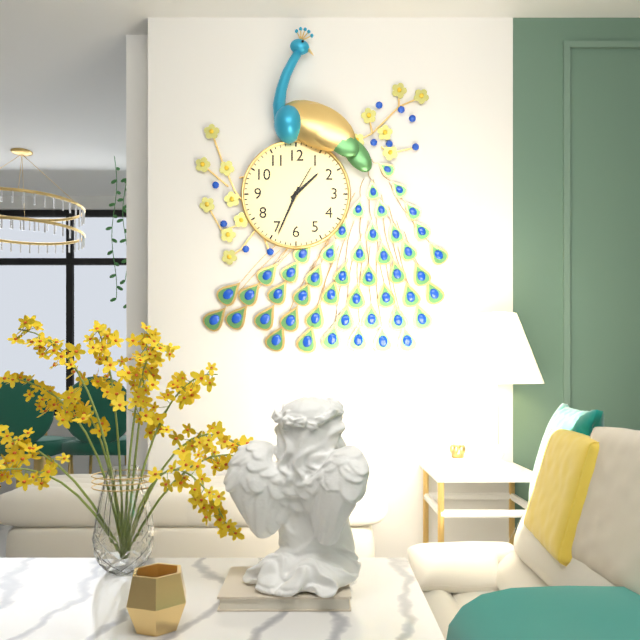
1:34
